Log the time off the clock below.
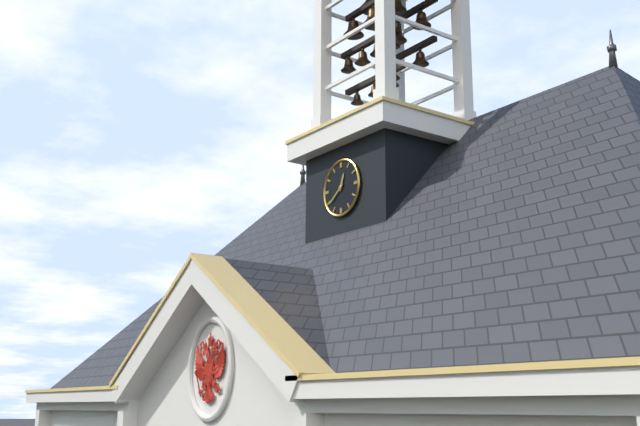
12:39
